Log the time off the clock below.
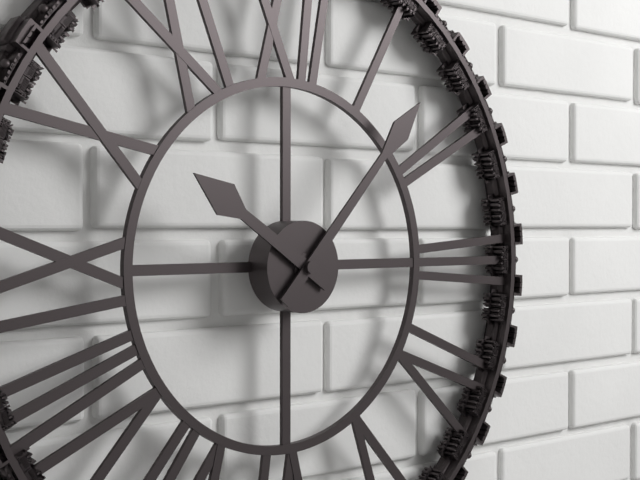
10:07
